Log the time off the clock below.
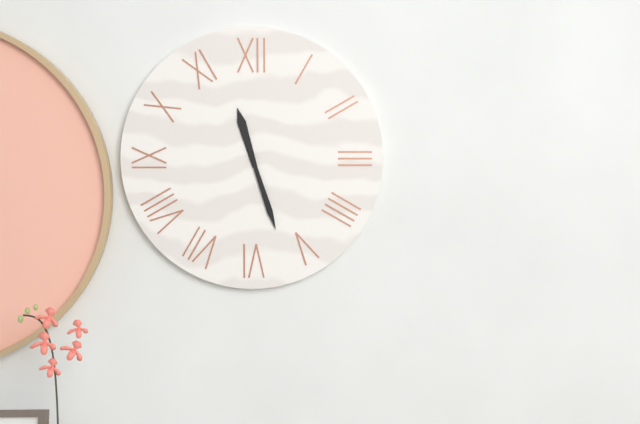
11:27
